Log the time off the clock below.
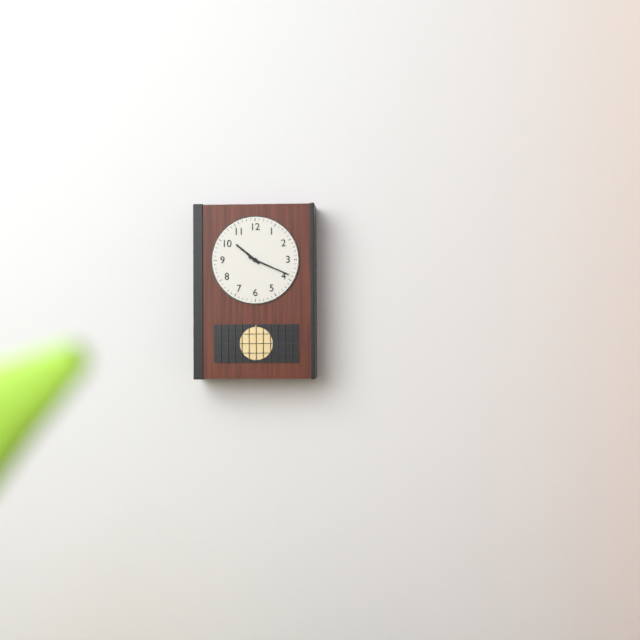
10:19
